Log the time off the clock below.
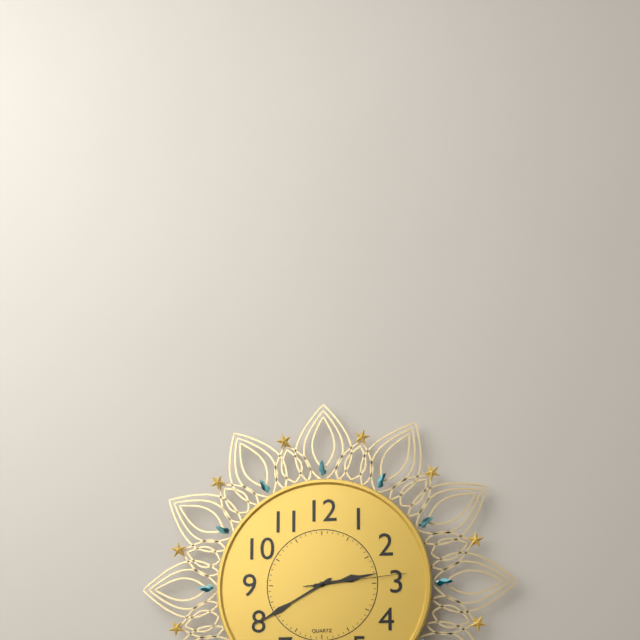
2:40:14
